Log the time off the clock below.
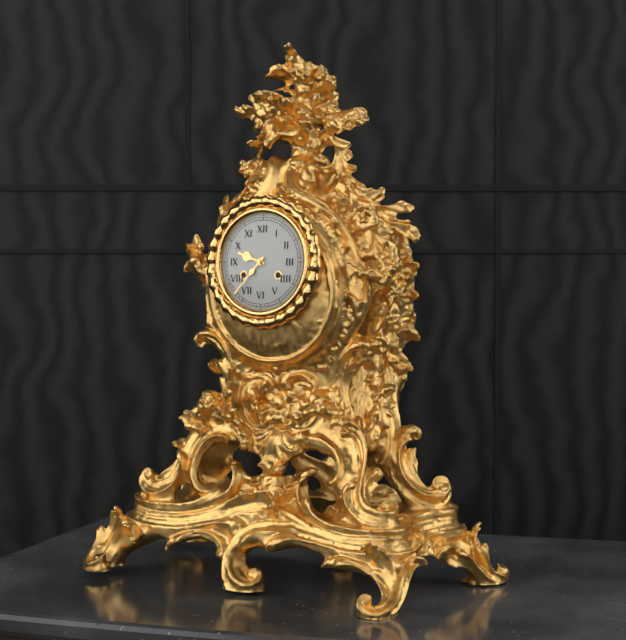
9:37
